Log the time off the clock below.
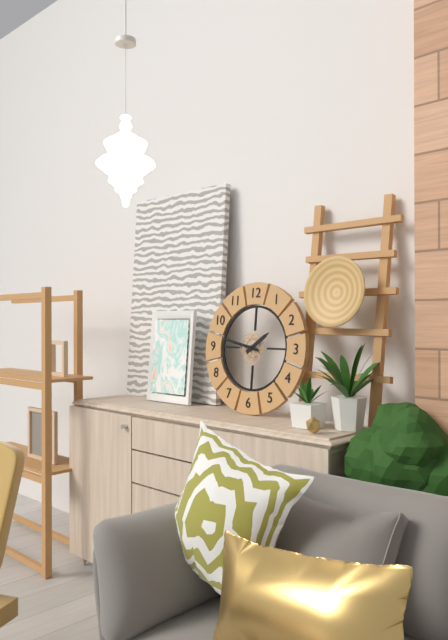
1:47
